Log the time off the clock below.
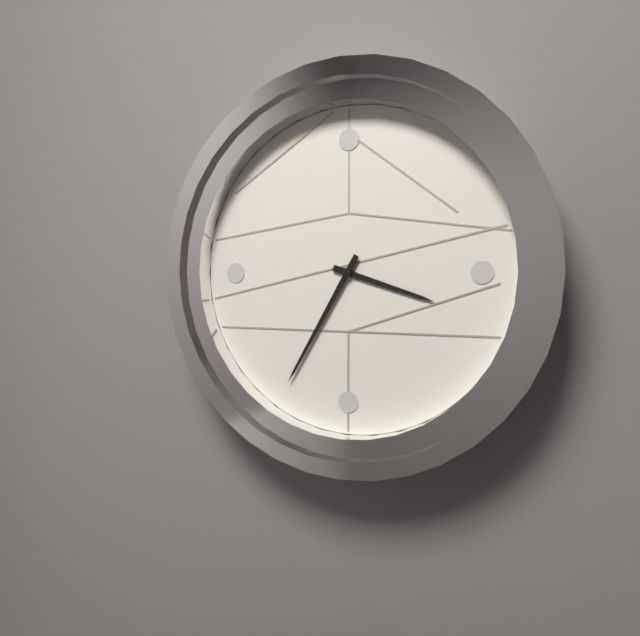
3:35
